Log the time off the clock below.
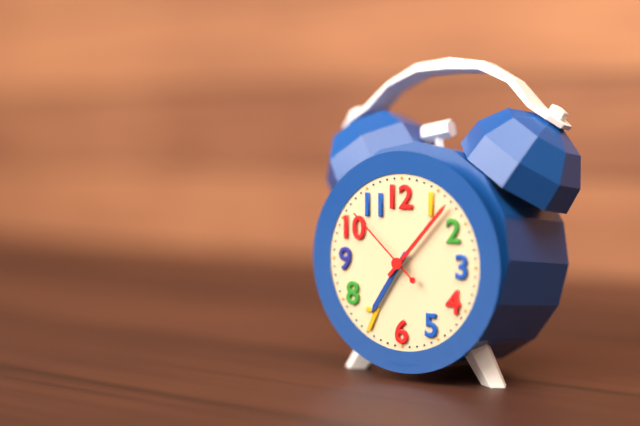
7:07:52
